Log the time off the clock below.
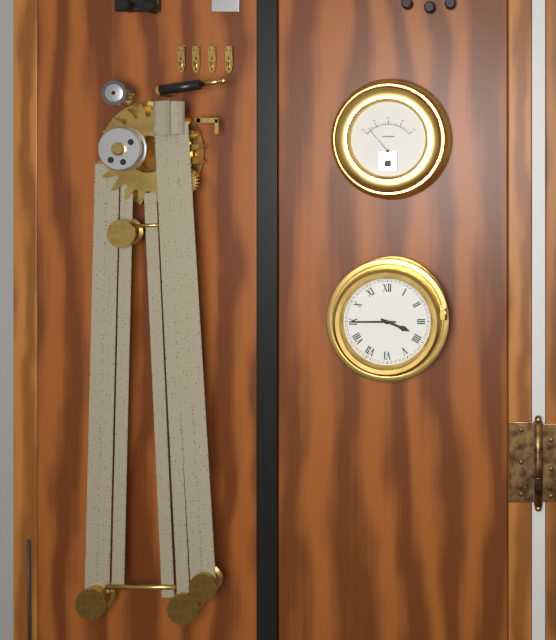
3:45
